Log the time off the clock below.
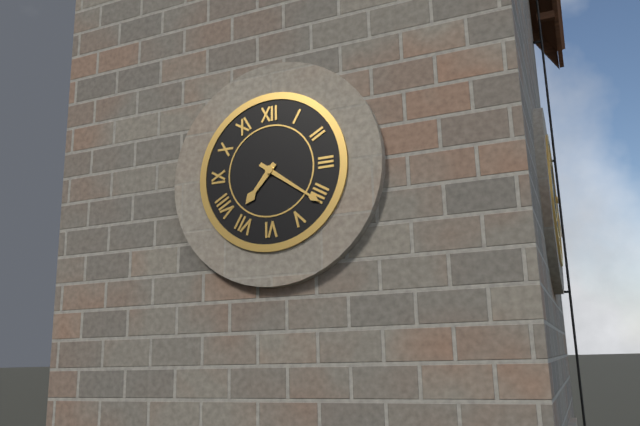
7:21
